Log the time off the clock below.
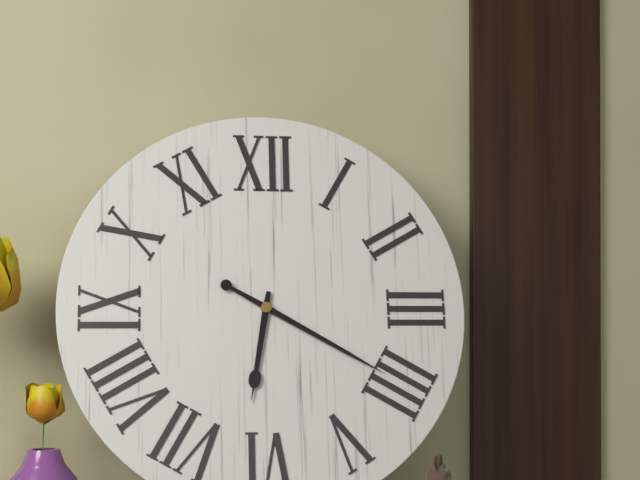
6:20
